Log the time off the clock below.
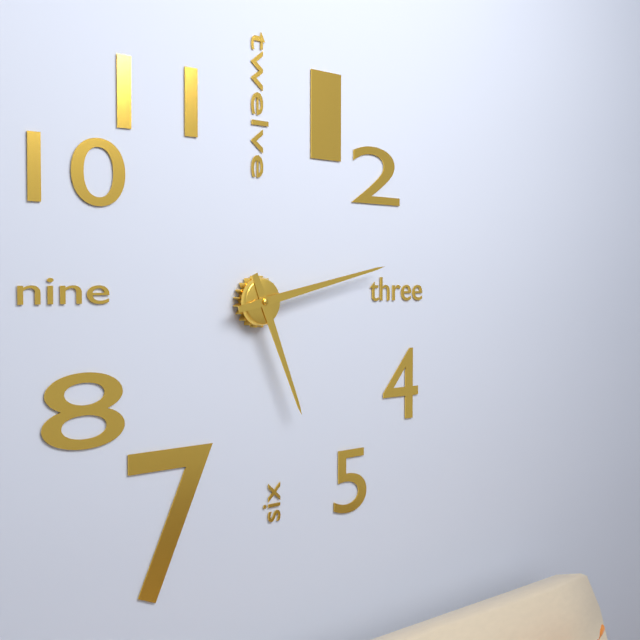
5:13
